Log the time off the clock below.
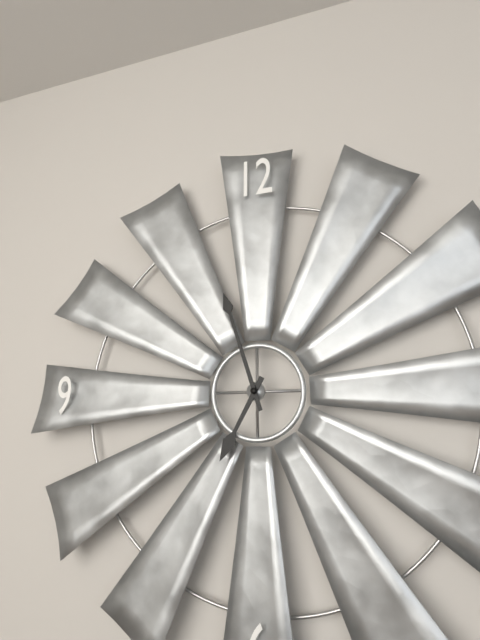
6:57
